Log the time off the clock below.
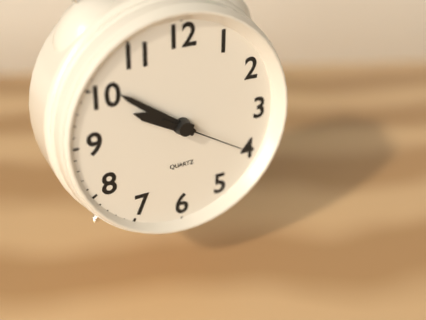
9:51:20
